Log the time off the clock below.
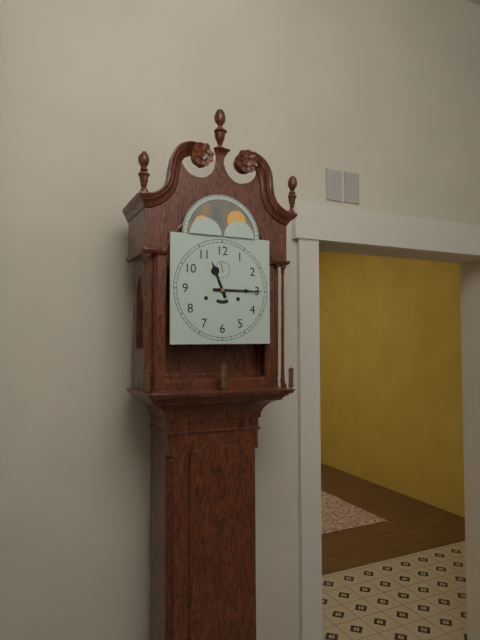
11:15
